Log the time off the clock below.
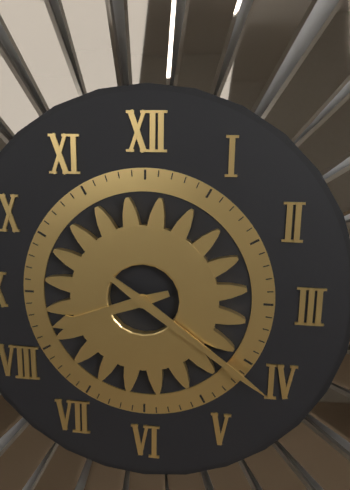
8:21
